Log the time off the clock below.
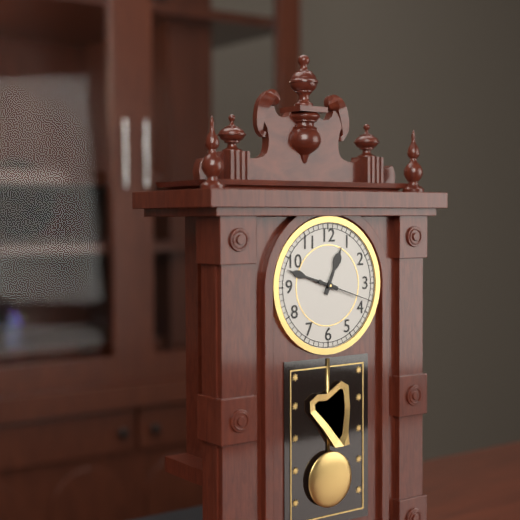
12:48:18
